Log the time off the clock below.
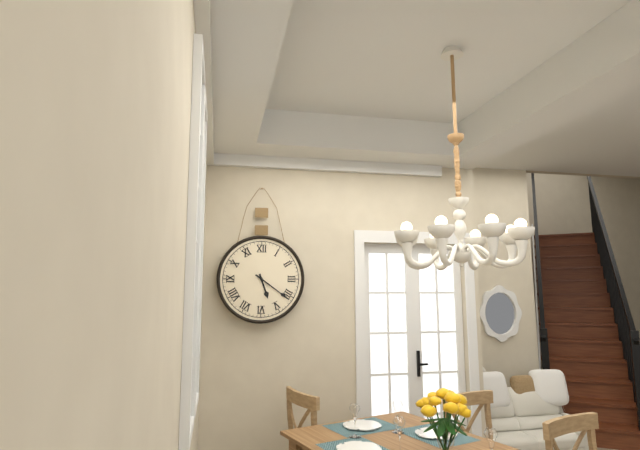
5:21
